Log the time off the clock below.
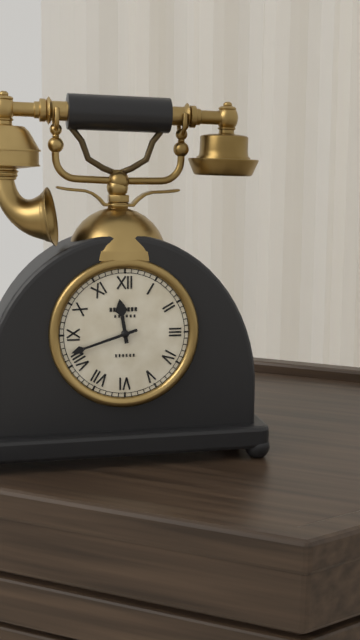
11:42
